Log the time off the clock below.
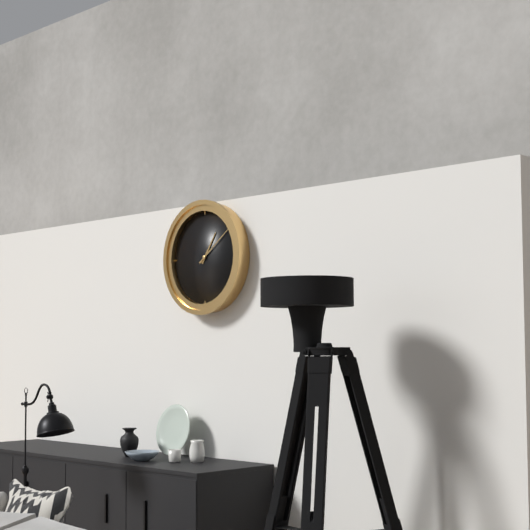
1:09
